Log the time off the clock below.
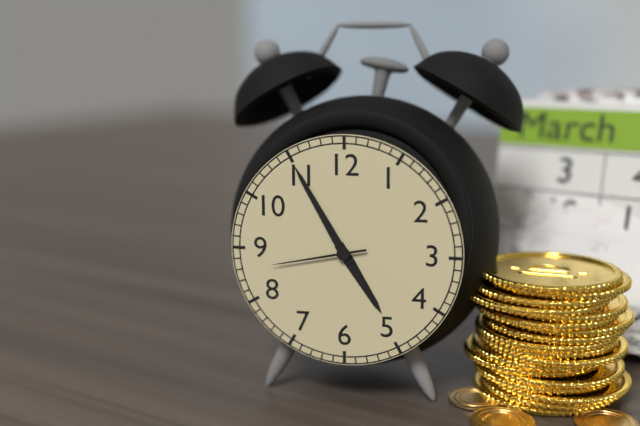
4:55:43
